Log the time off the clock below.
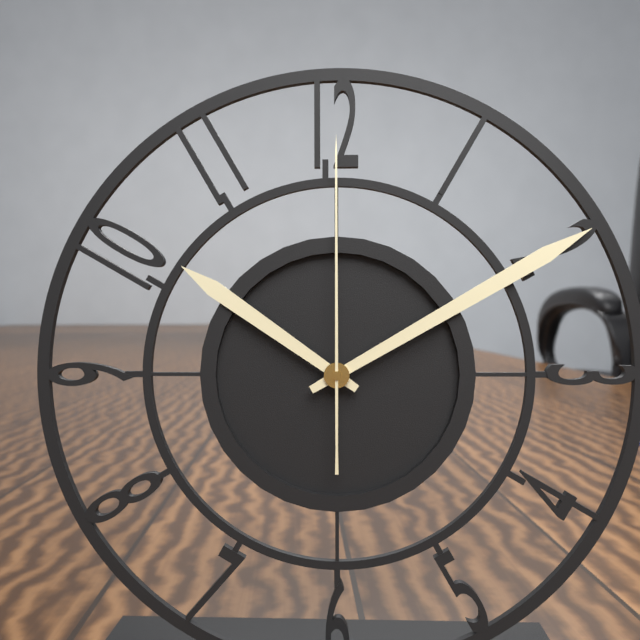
10:10:00
